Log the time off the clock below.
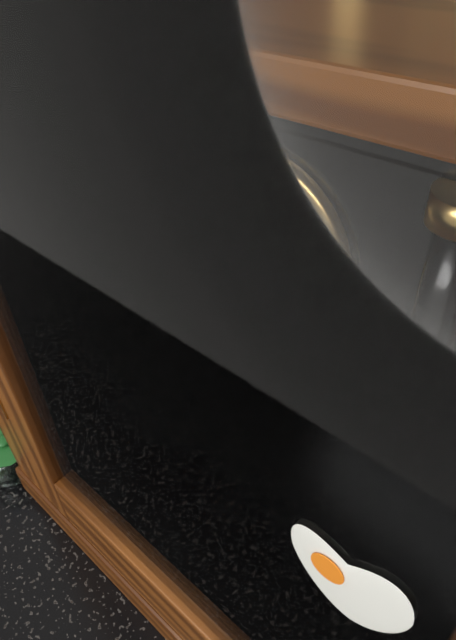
1:00
